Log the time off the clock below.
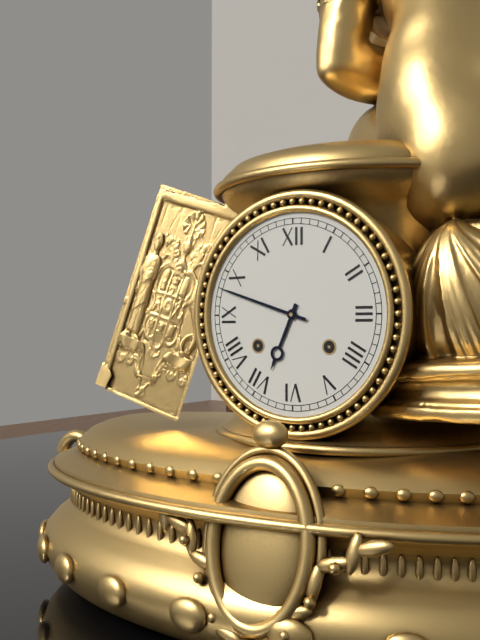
6:48
